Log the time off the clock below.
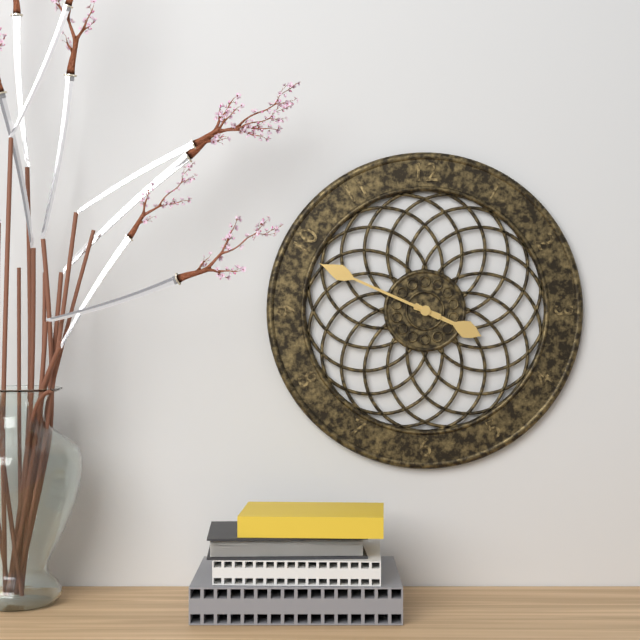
3:49
